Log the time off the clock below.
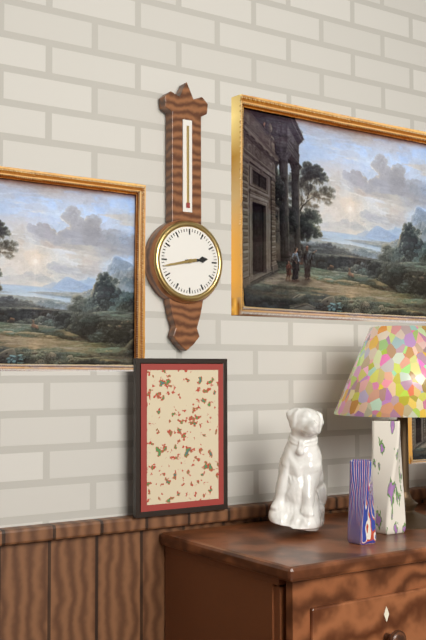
2:43
